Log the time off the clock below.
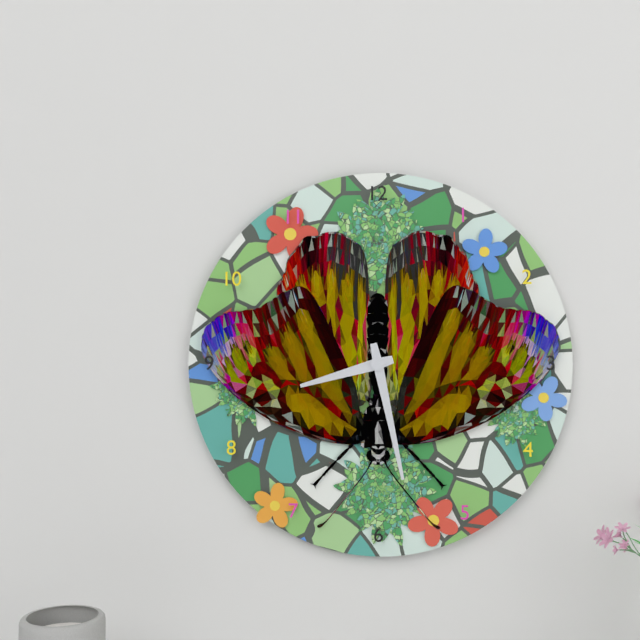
8:28
